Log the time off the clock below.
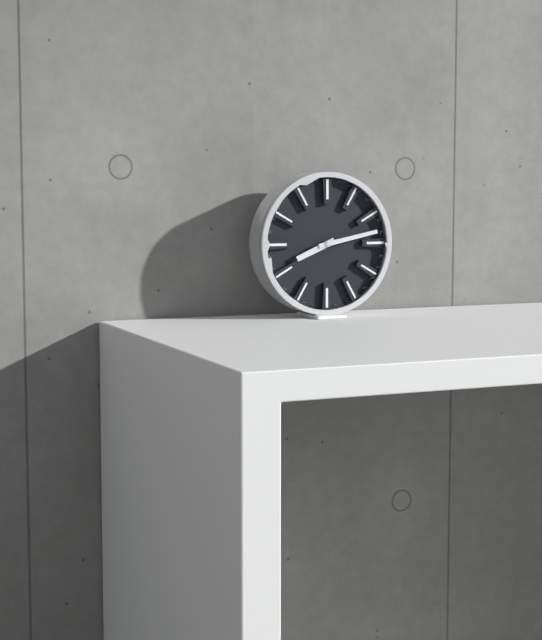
8:13
